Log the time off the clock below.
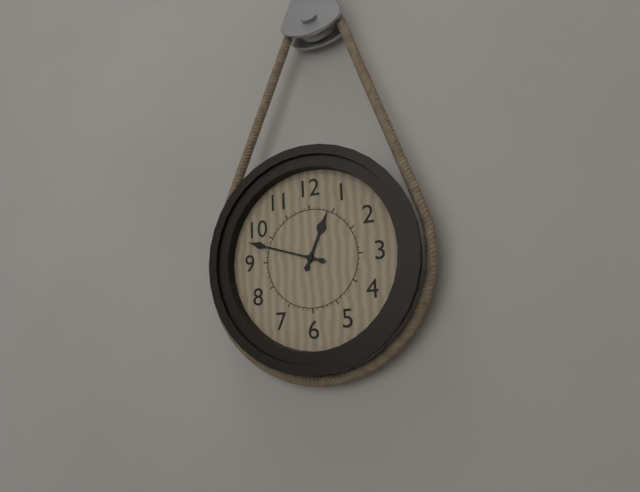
12:48
